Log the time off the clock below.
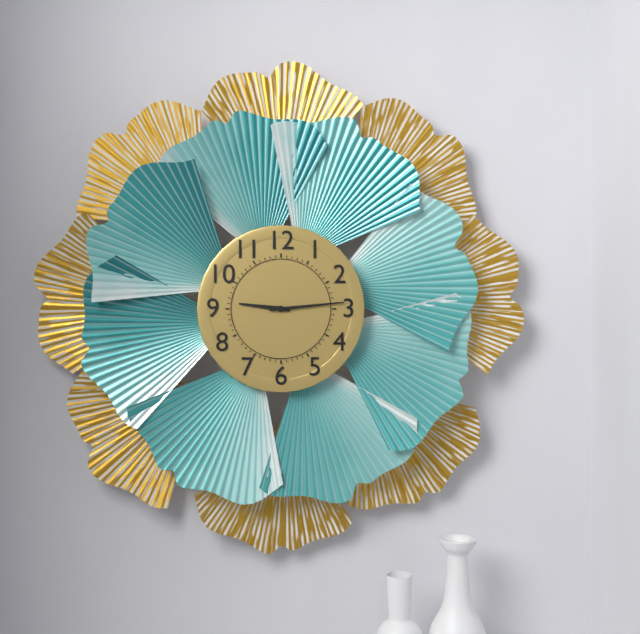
9:14
